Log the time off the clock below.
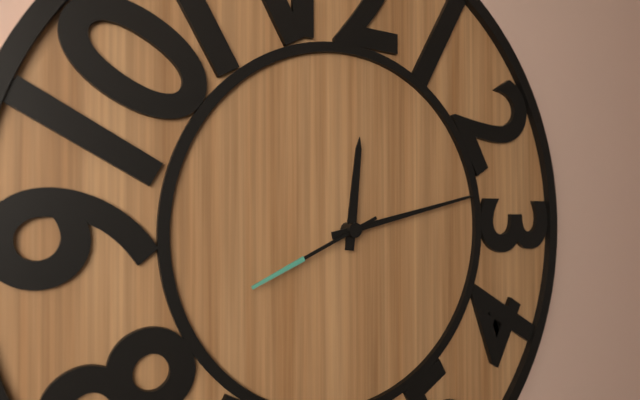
12:13:41
